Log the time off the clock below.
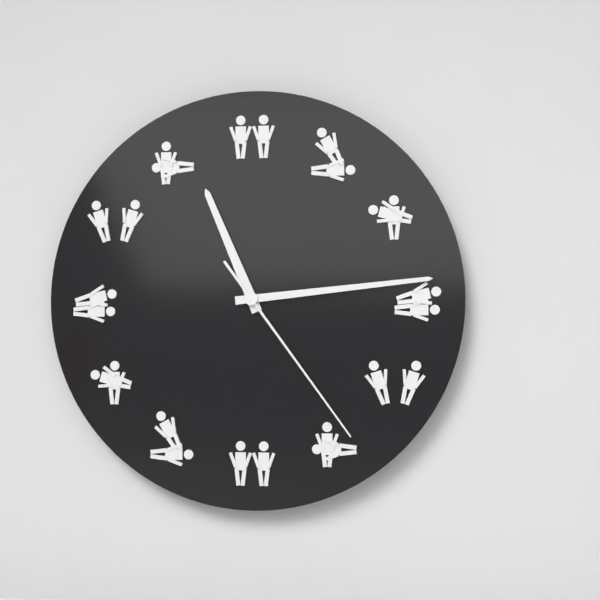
11:14:24
